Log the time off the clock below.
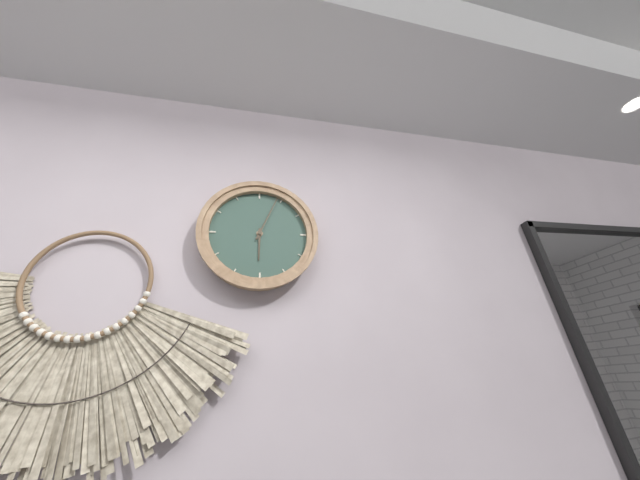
6:04
